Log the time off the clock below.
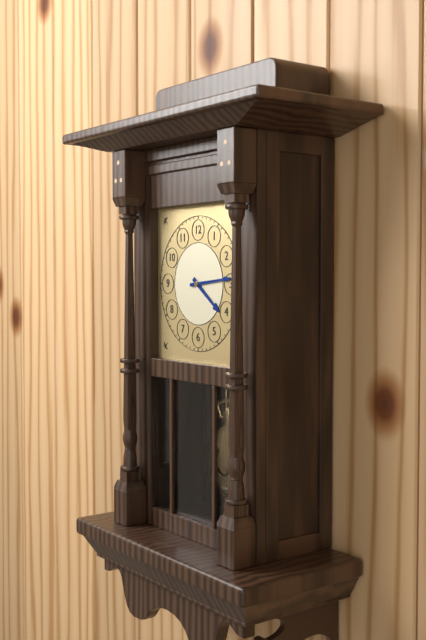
4:14
